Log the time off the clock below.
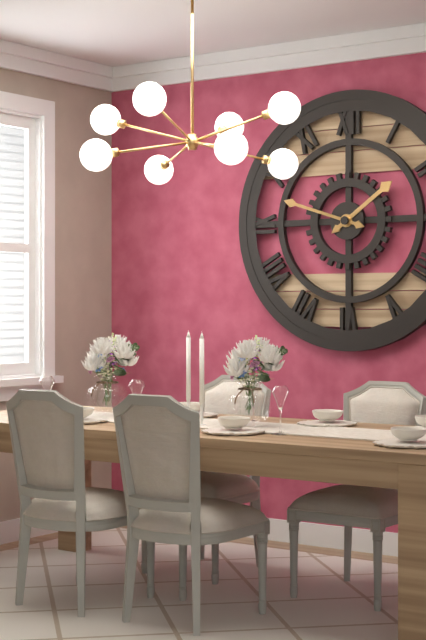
1:48
